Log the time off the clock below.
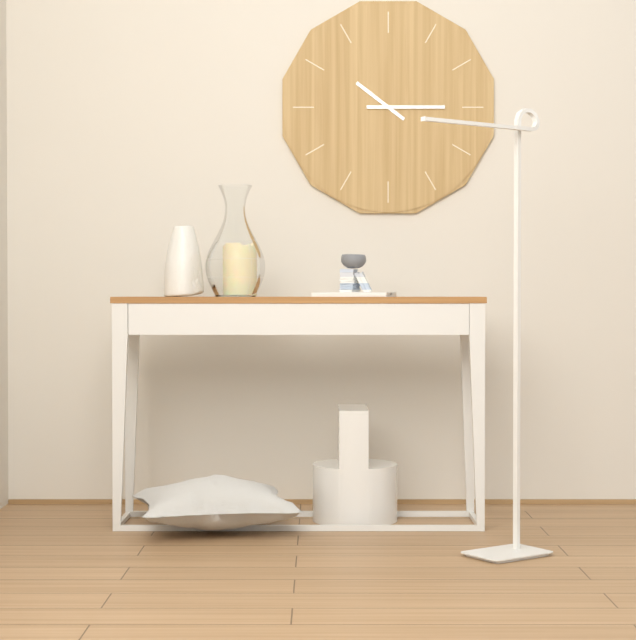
10:15
